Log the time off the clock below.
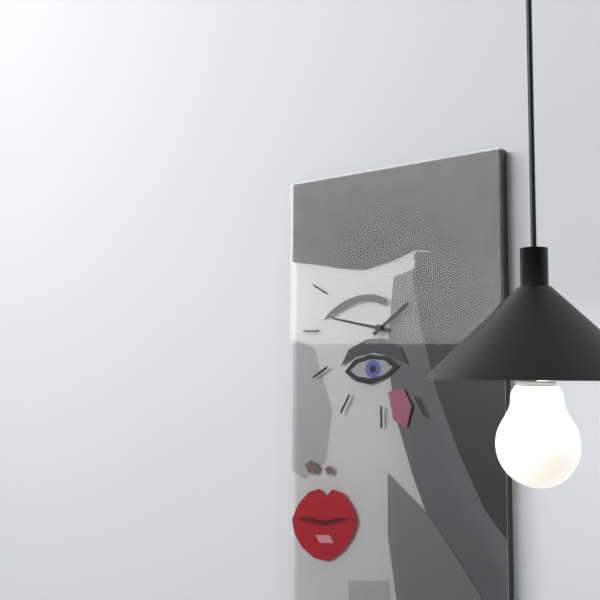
1:47
